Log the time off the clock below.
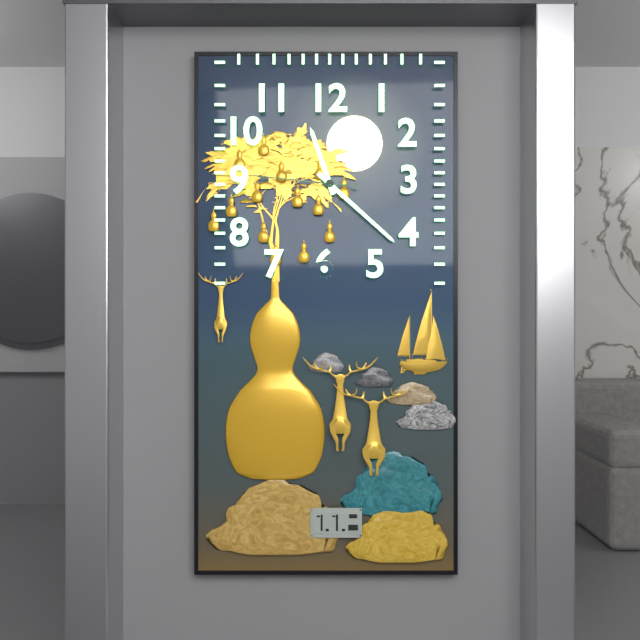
11:22:46
